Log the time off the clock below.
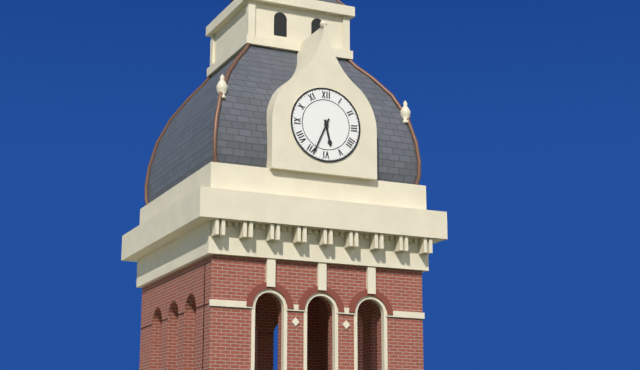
5:34
